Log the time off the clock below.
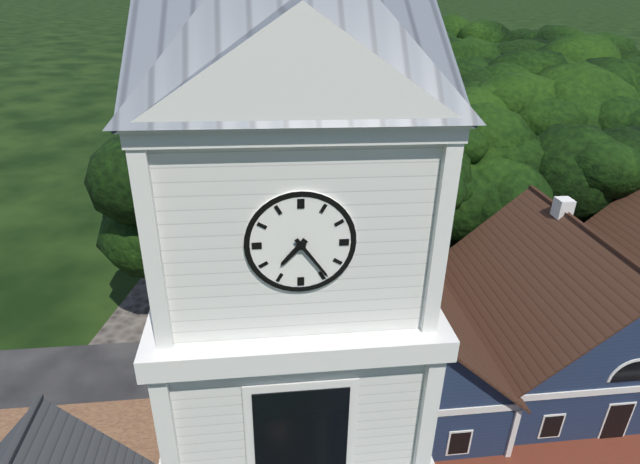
7:24
